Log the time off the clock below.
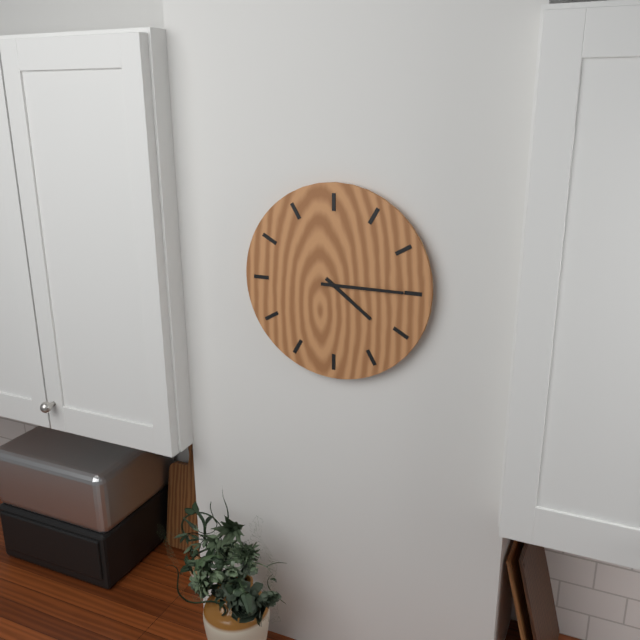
4:15
